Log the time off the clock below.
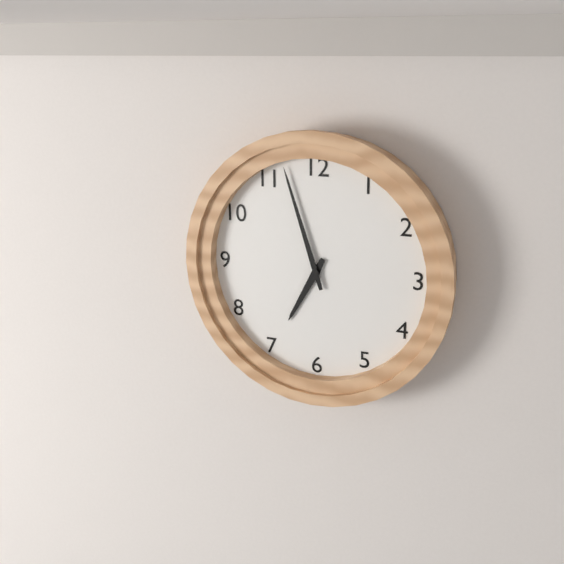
6:57
